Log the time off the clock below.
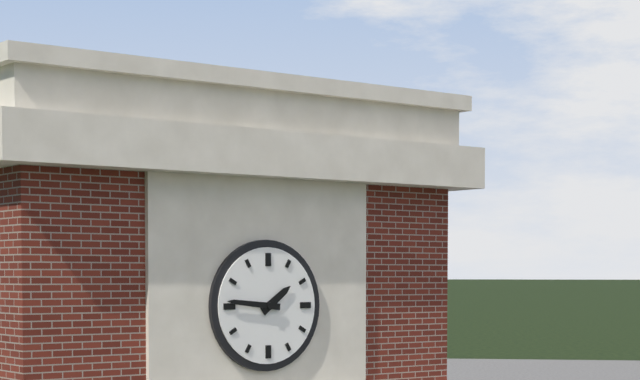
1:46
